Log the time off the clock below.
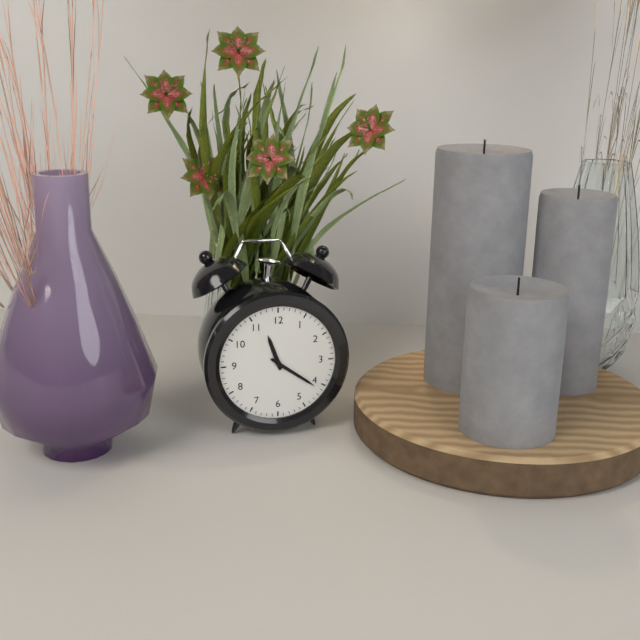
11:21
